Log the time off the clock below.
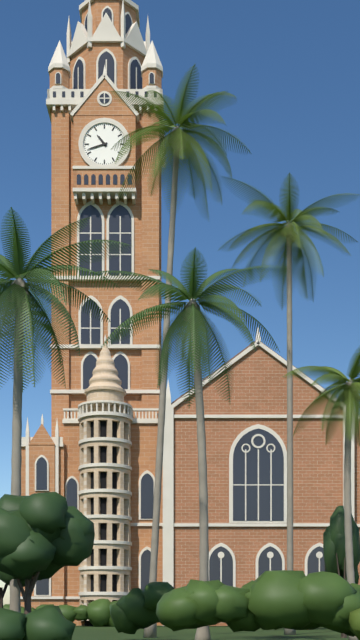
10:42
